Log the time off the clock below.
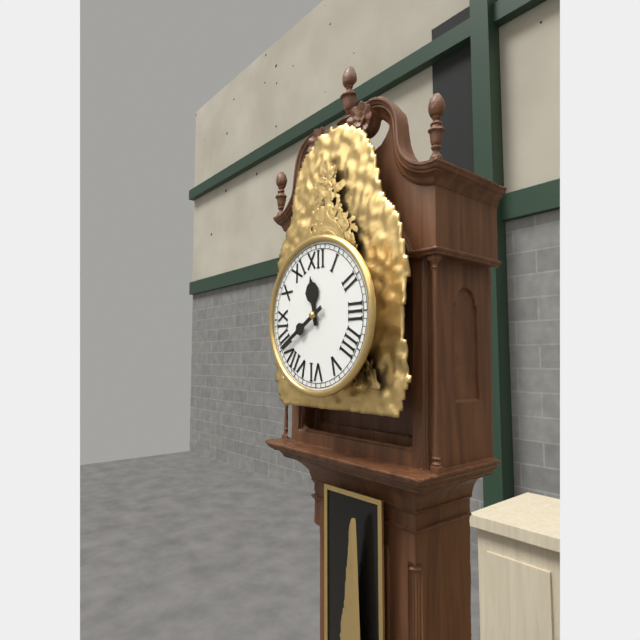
11:40
